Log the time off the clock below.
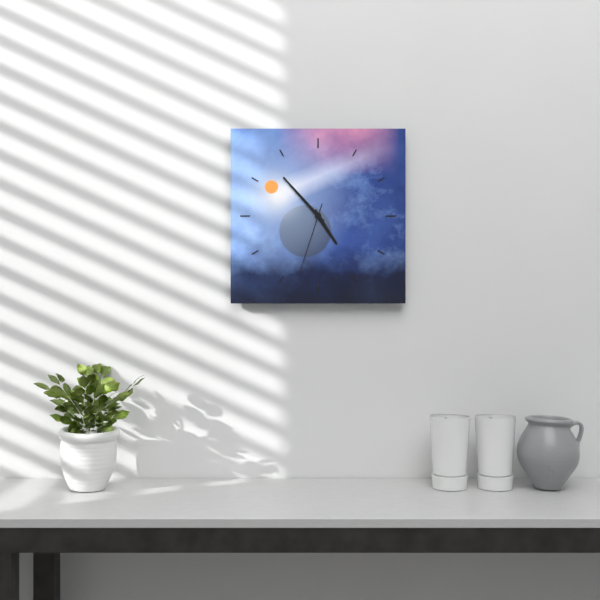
4:53:33
